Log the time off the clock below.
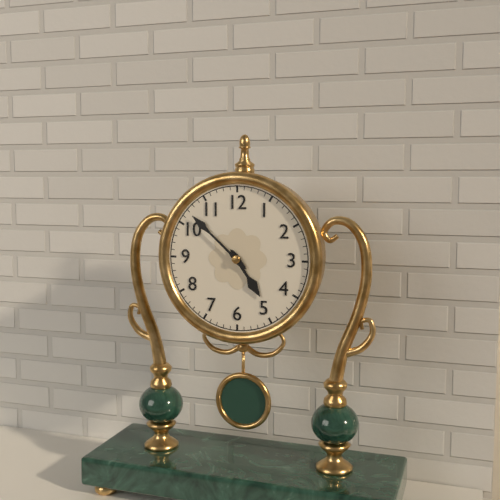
4:52
